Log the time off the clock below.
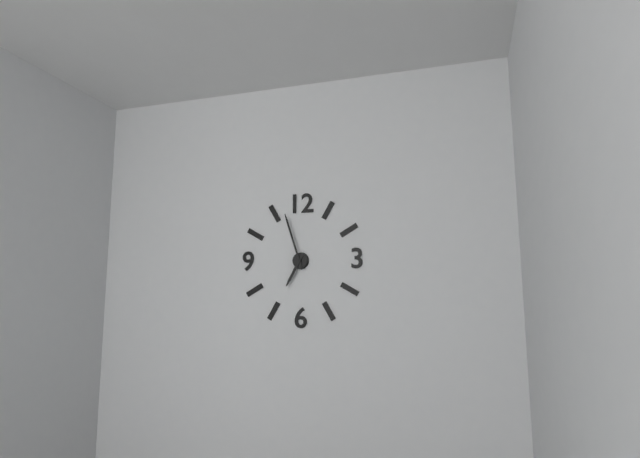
6:57
